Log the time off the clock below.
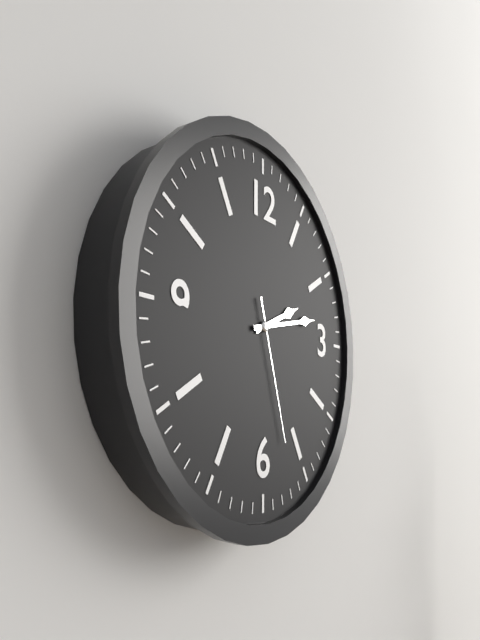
2:13:27
